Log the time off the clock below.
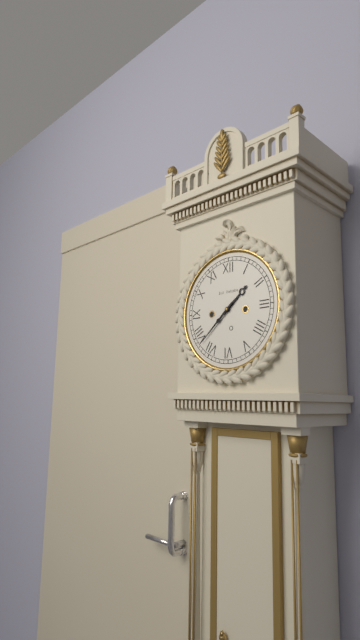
1:38
